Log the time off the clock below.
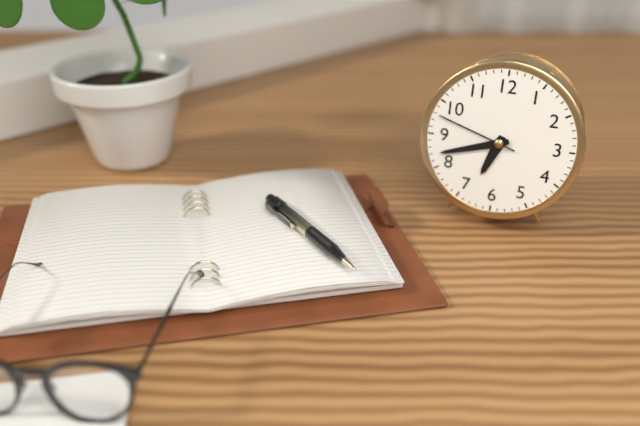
6:42:48
